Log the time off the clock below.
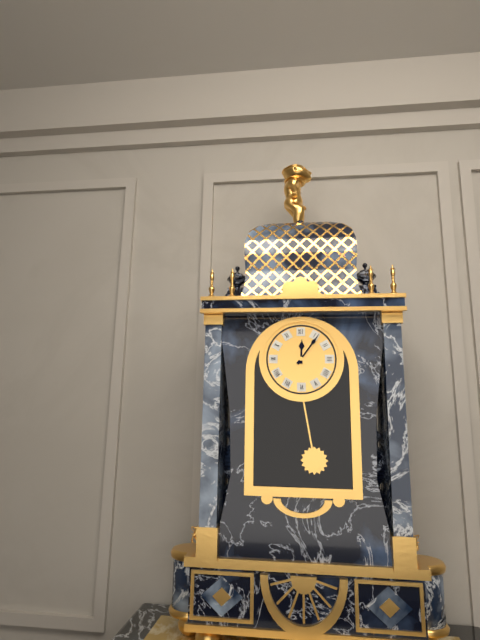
12:06
